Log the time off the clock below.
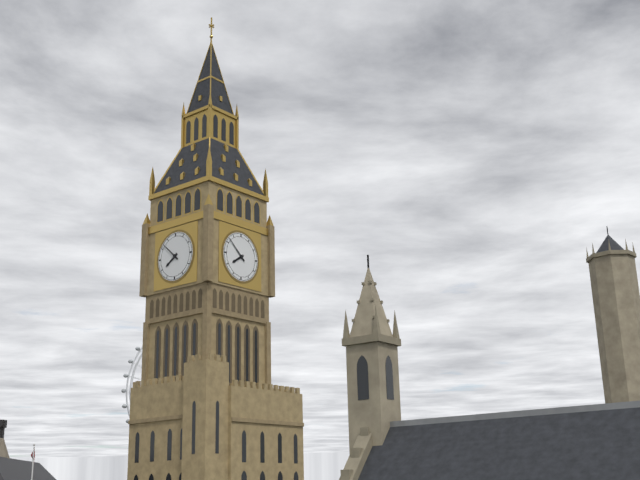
7:52
